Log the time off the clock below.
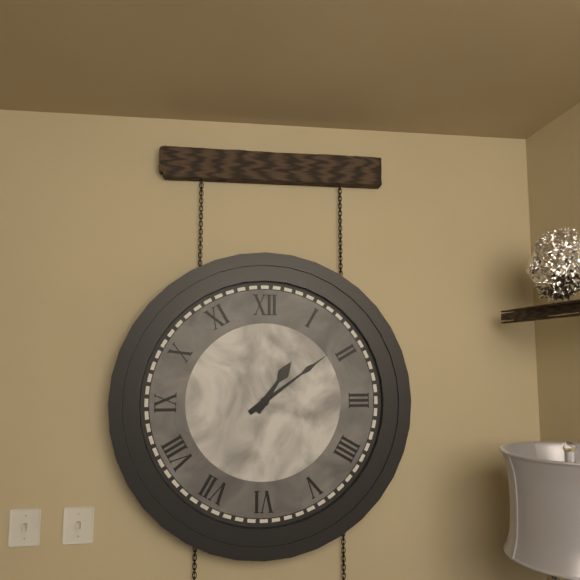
1:09
